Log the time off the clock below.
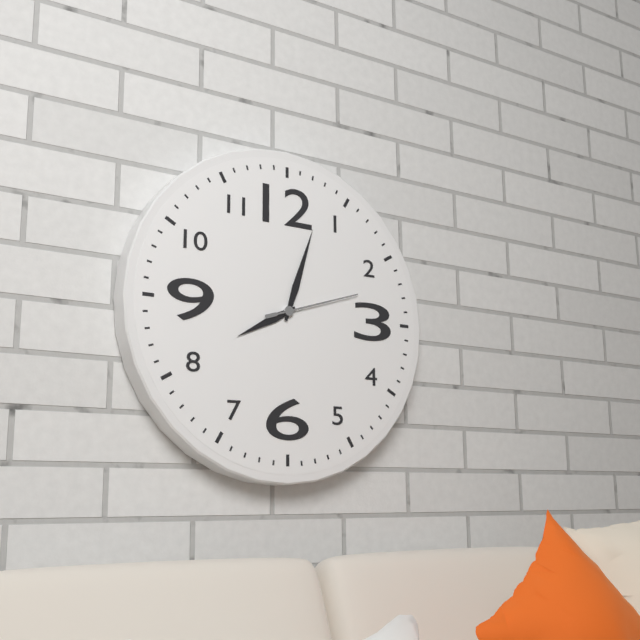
8:03:12
